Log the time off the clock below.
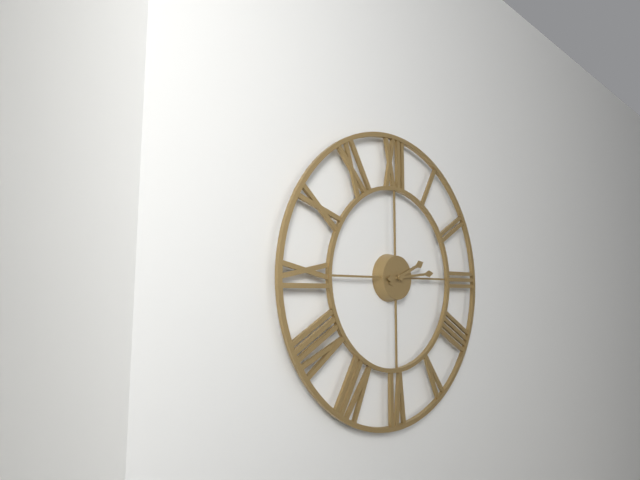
2:14
